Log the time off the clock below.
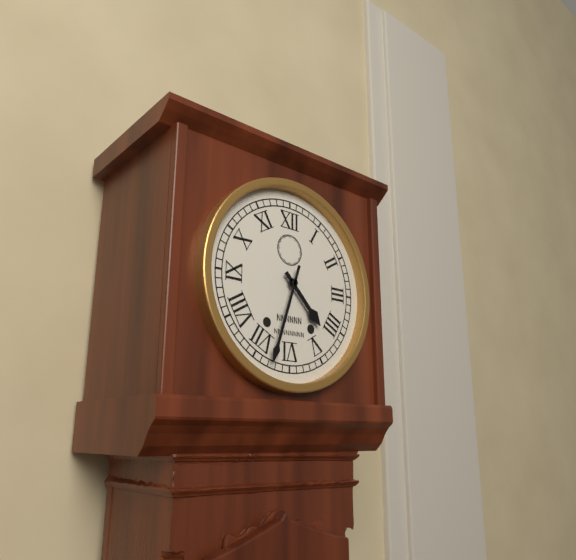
4:33
